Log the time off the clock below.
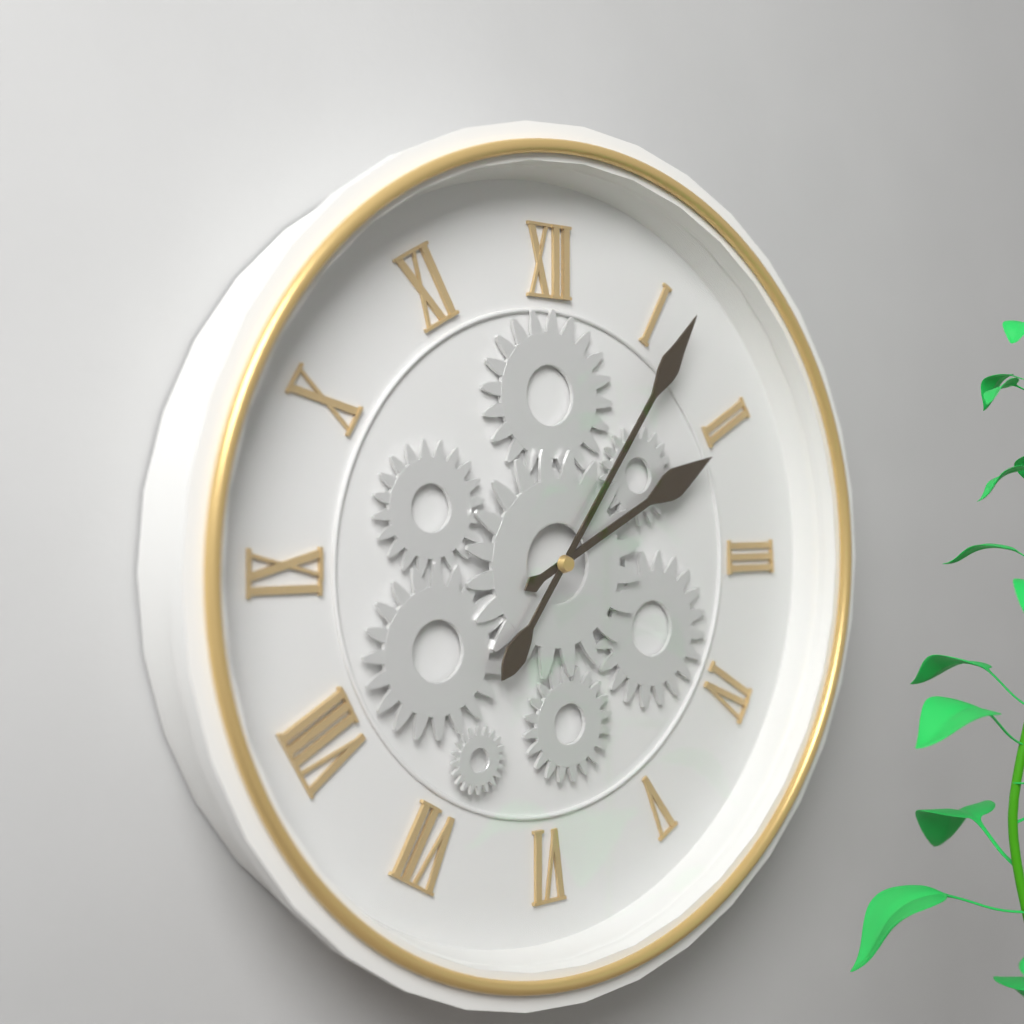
2:06
